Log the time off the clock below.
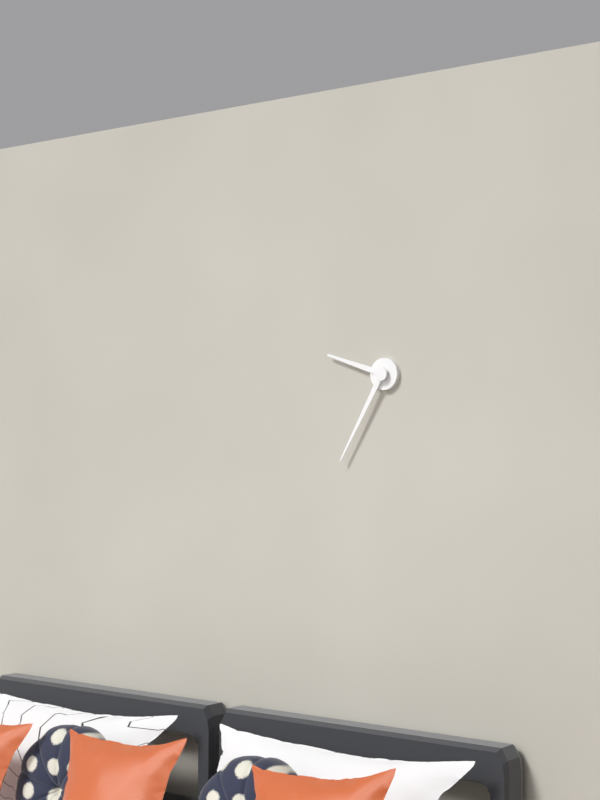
9:35
